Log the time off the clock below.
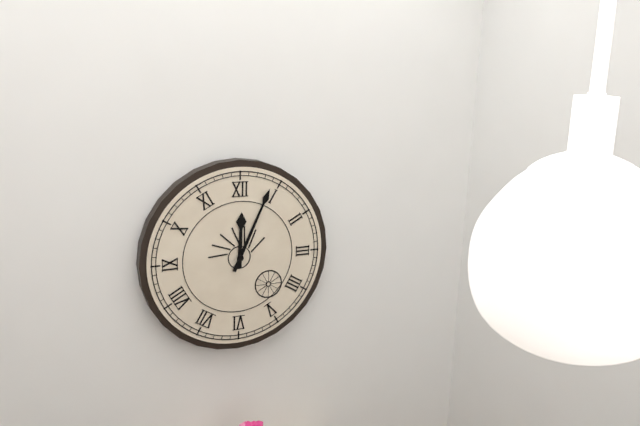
12:04
